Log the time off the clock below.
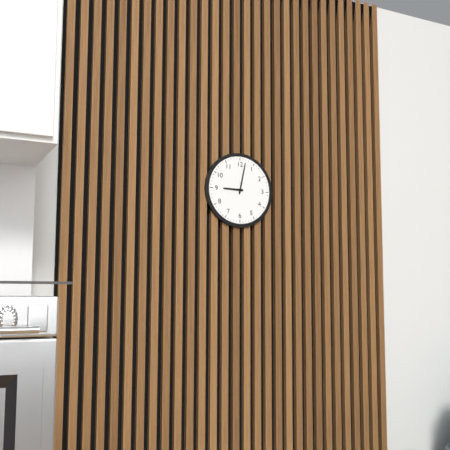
9:02
